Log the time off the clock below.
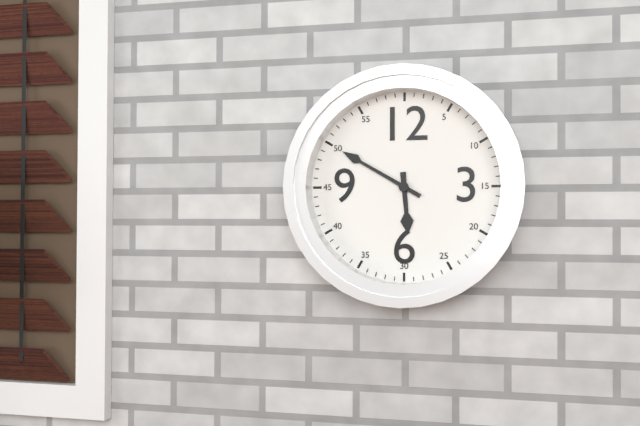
5:50
